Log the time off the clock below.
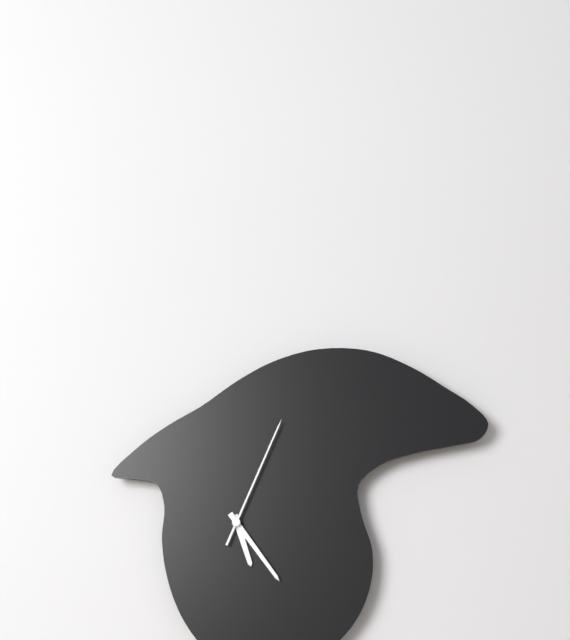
5:24:04
